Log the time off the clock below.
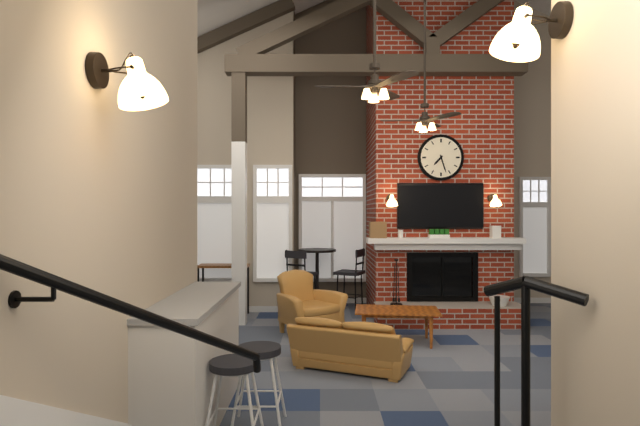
7:27
